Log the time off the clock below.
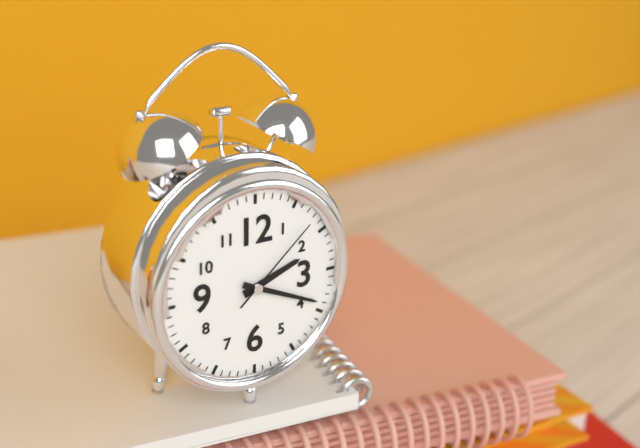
2:19:08
